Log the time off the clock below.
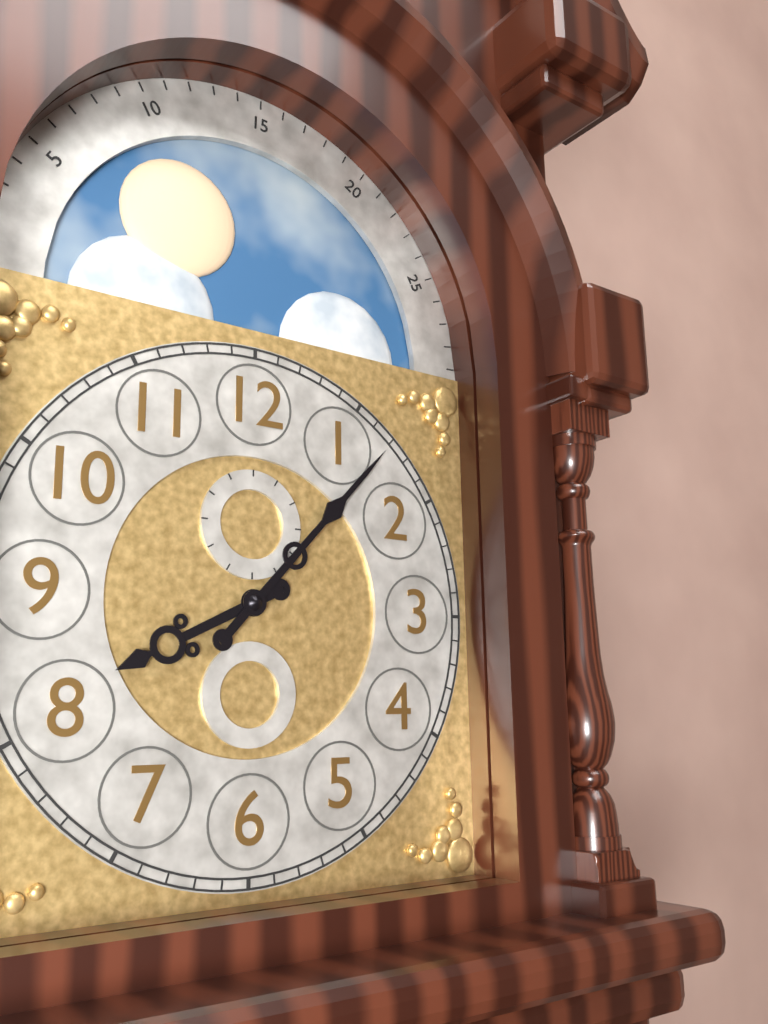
8:07
